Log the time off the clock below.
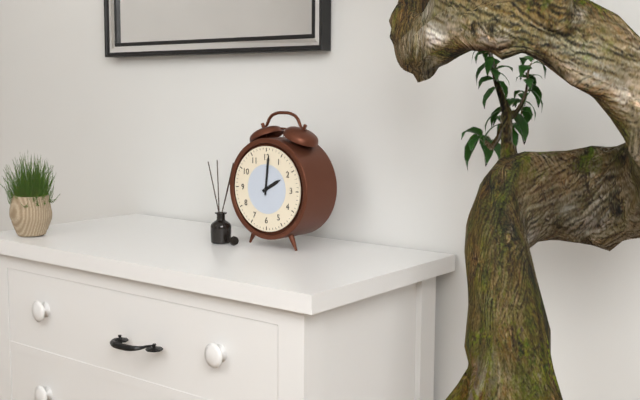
2:01
